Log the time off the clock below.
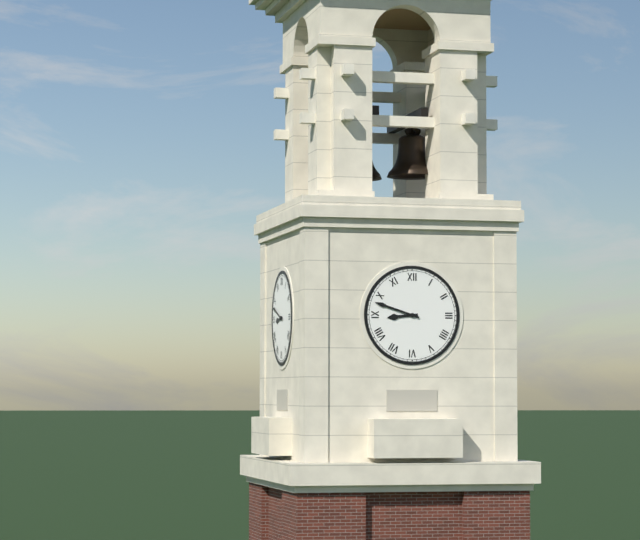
8:48
